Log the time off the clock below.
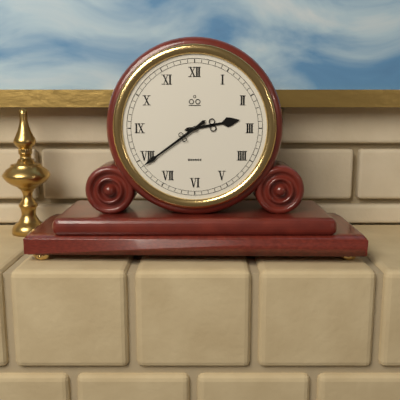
2:39
